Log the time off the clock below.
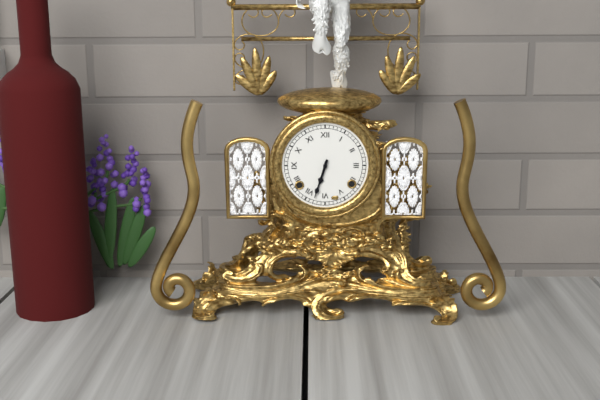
6:33
